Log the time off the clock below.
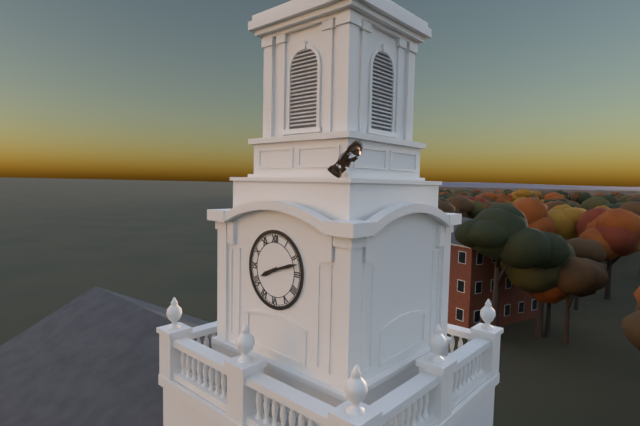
8:12
